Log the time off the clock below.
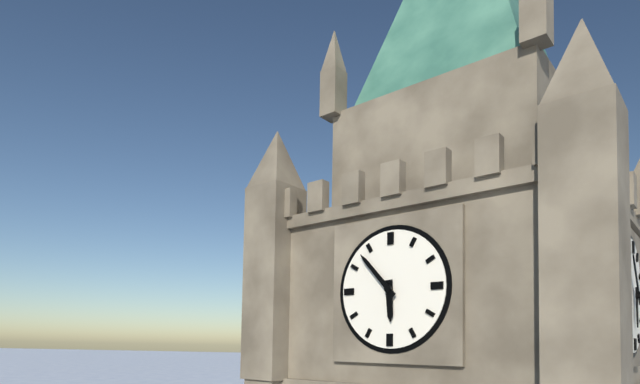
5:53
